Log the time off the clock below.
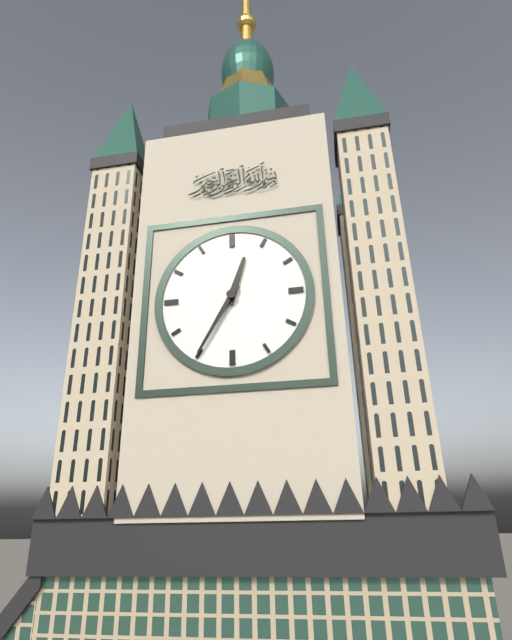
12:35
